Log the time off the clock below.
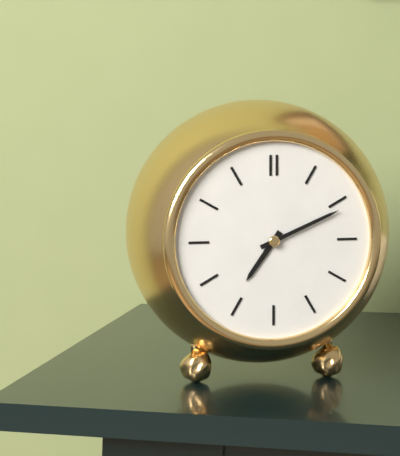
7:11
